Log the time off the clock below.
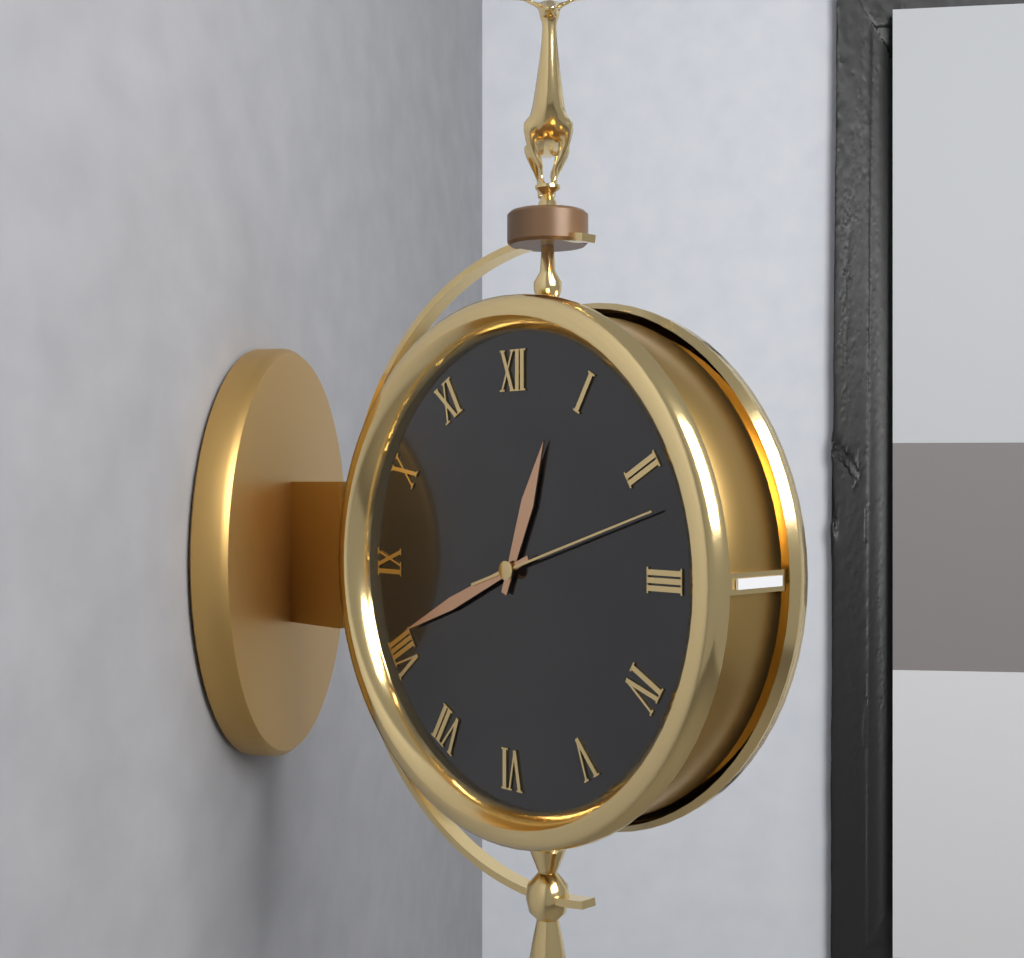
12:41:12
